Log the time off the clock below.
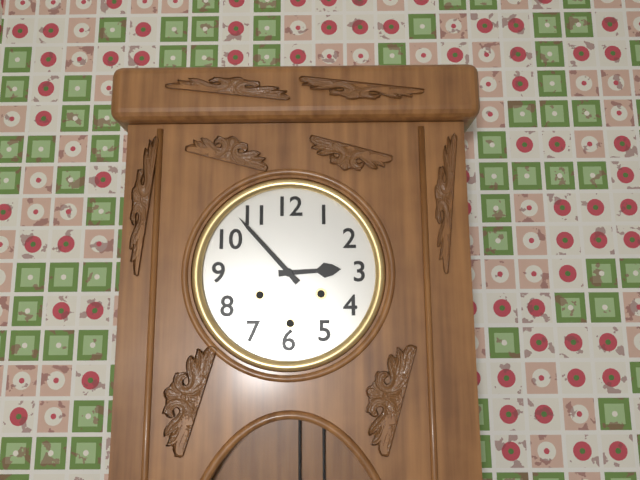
2:53
